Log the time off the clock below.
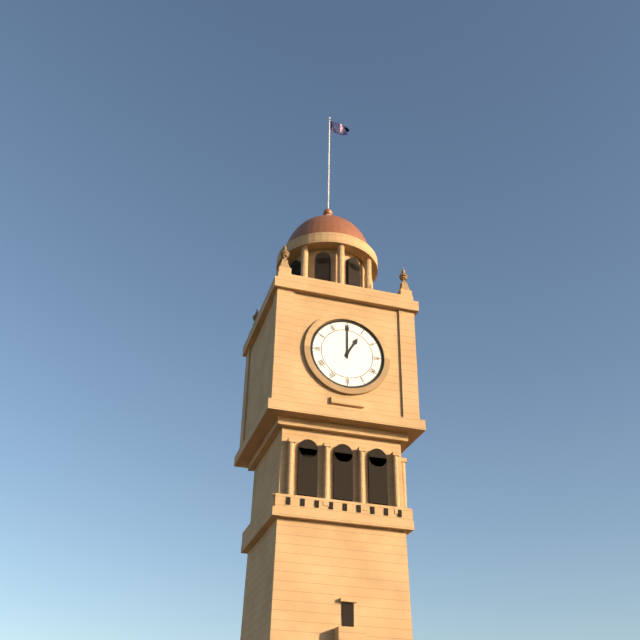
1:00
